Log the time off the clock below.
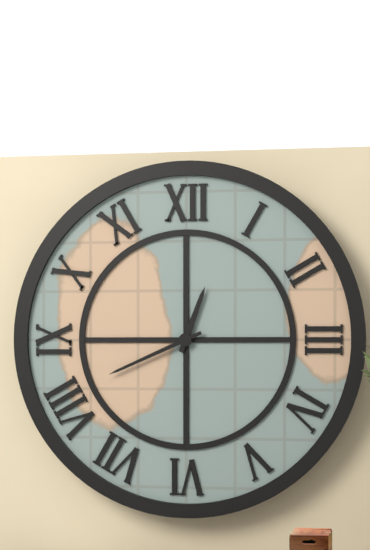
12:41
